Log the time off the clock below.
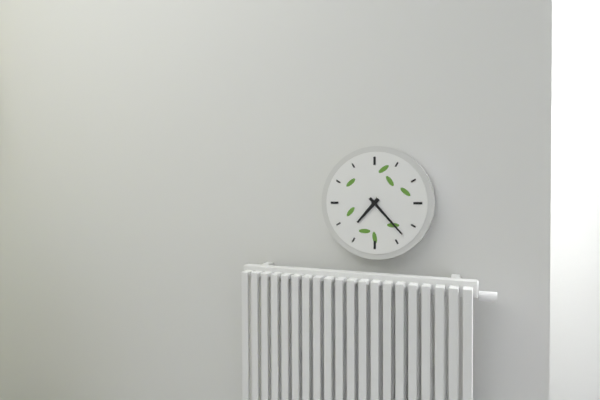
7:23
